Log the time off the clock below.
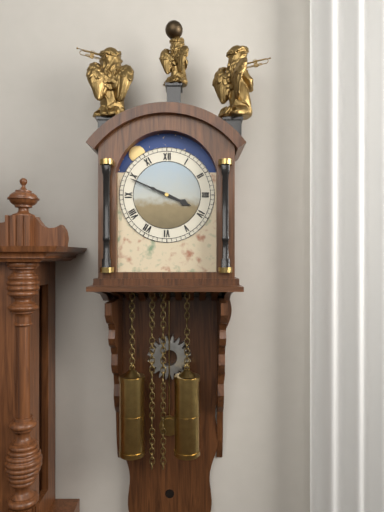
3:49
